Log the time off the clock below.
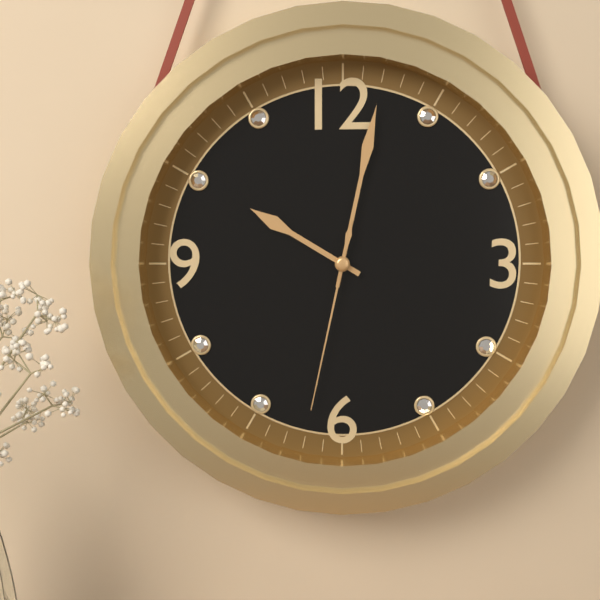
10:02:32
